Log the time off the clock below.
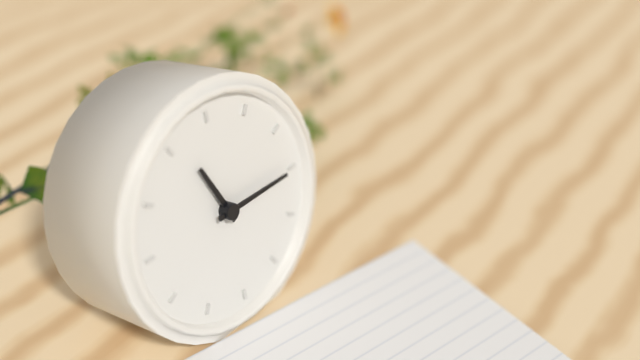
11:15
